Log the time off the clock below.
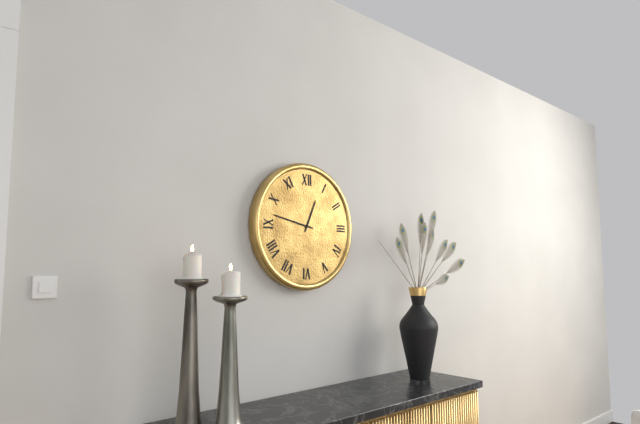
12:47
